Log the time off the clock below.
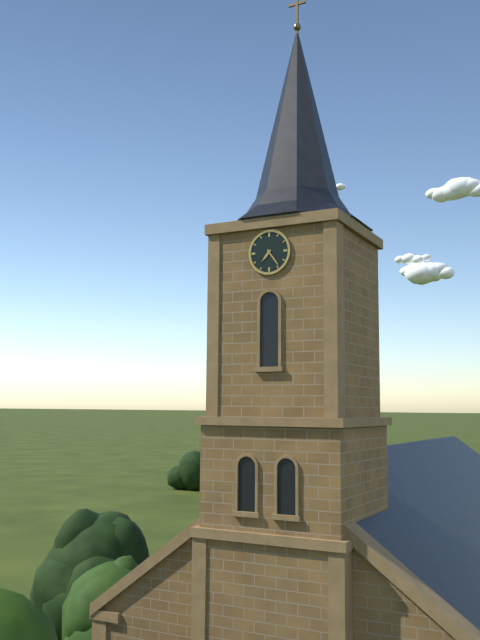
7:24
